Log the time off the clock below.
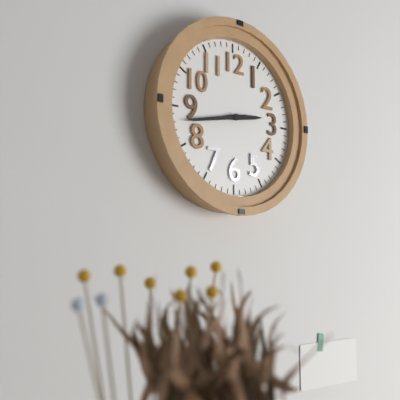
2:43
